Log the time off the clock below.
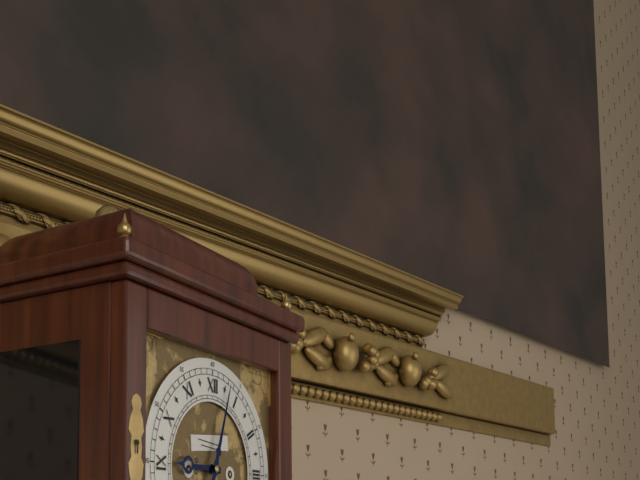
9:03
